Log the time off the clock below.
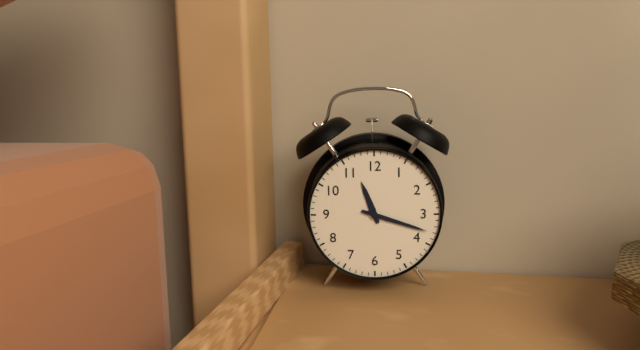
11:18
